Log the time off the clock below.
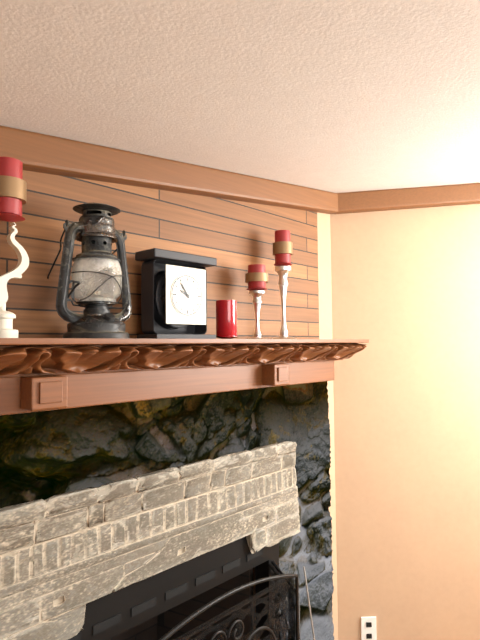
9:54
